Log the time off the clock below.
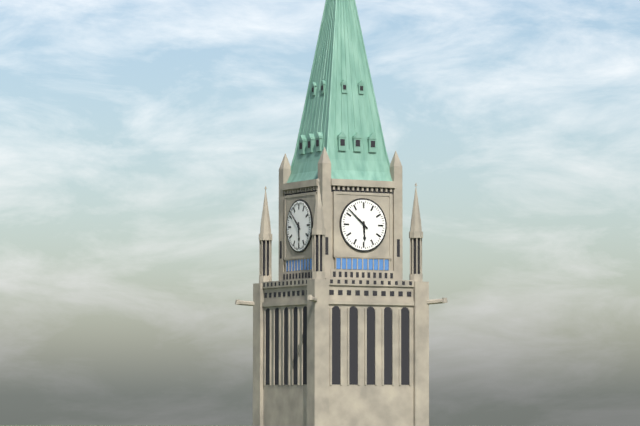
5:52
